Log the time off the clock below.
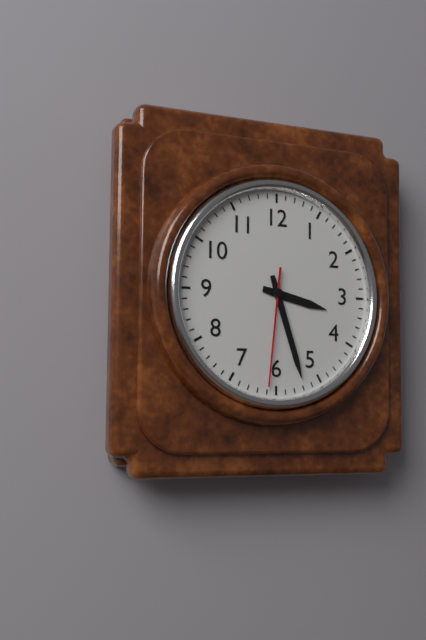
3:27:31
